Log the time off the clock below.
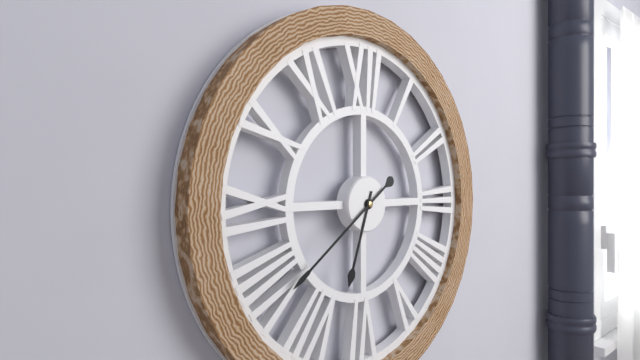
6:39
